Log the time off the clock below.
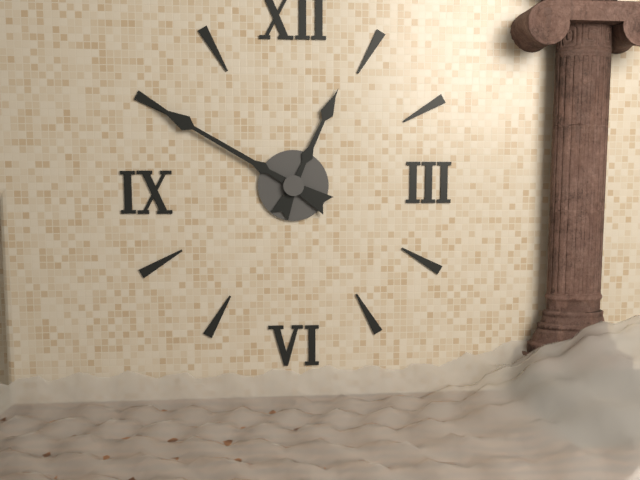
12:50
